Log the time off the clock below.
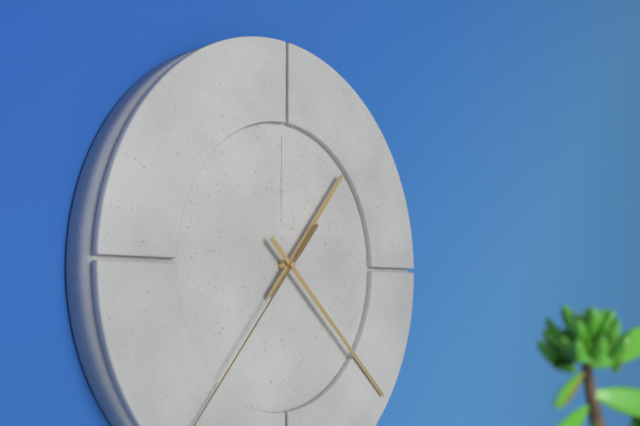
1:22
